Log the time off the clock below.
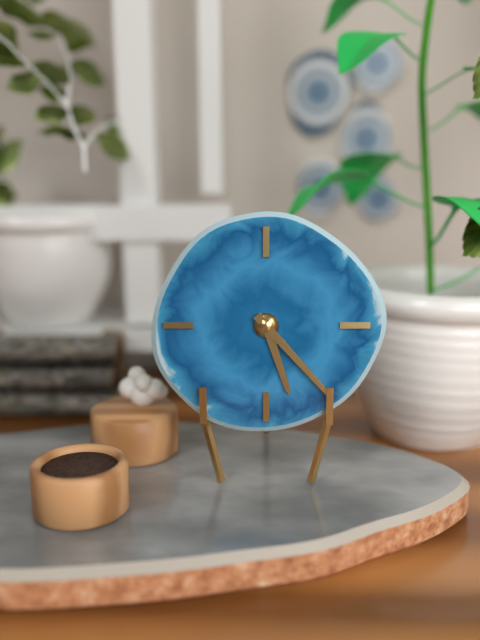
5:23
